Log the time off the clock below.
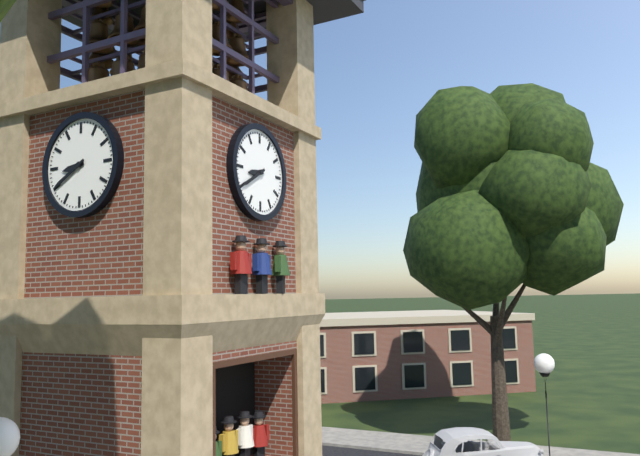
8:40
